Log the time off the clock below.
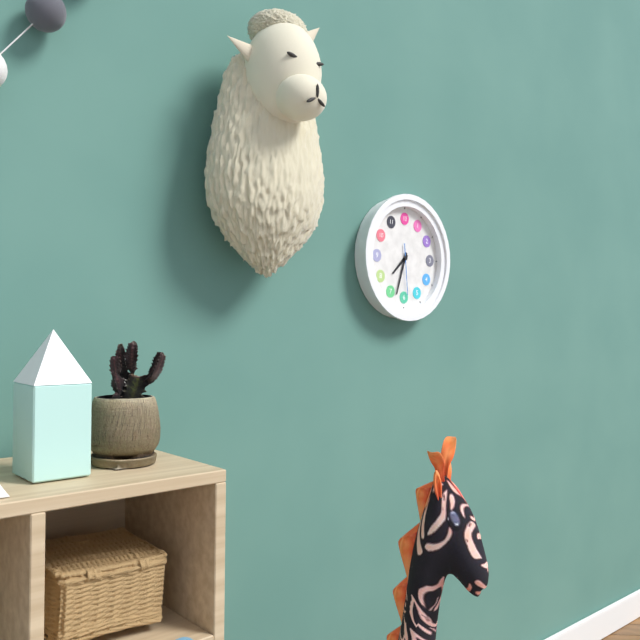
7:33
